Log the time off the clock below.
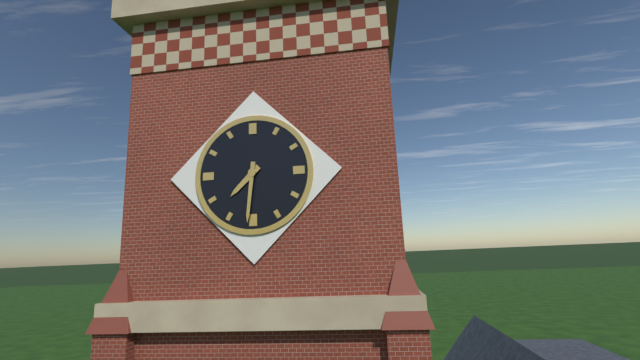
7:31
